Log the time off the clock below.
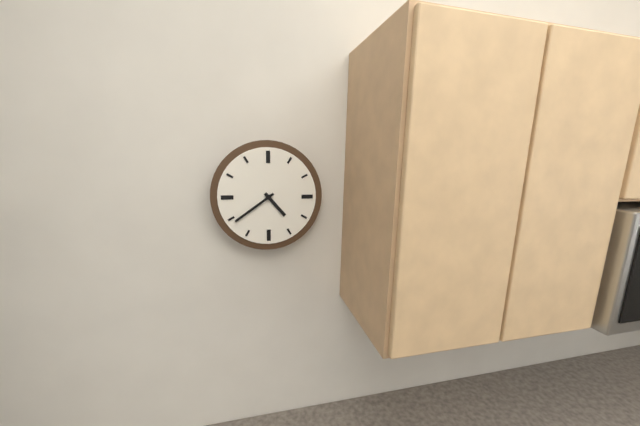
4:39
